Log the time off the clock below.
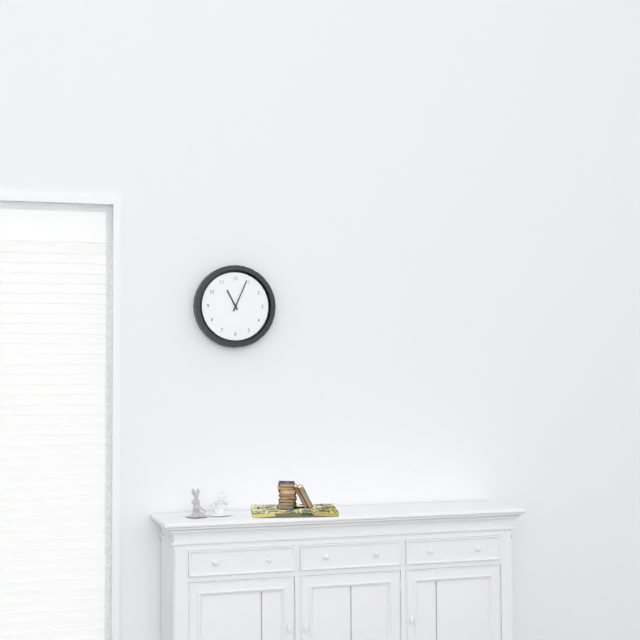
11:04
